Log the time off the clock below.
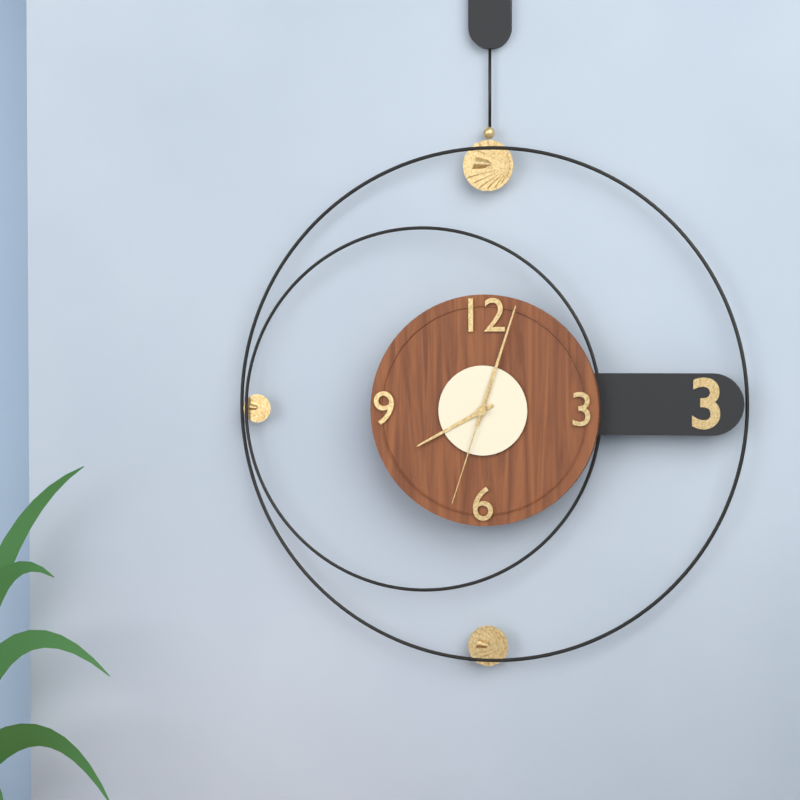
8:03:33
